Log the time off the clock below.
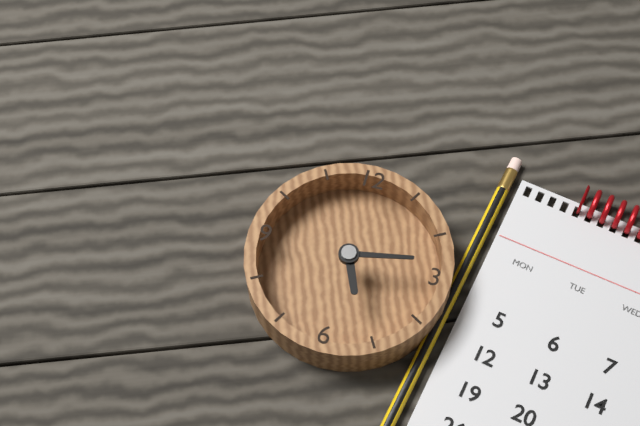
5:13
